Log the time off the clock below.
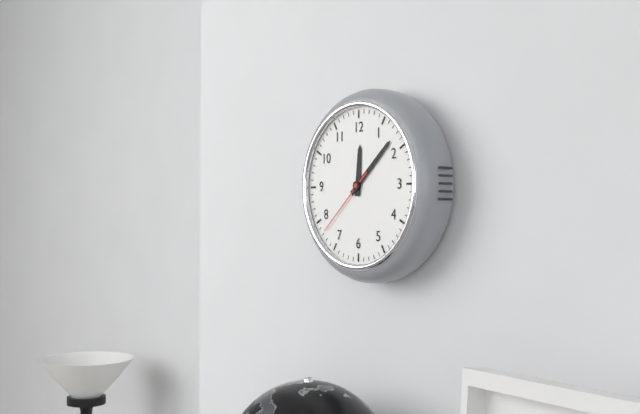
12:08:38
